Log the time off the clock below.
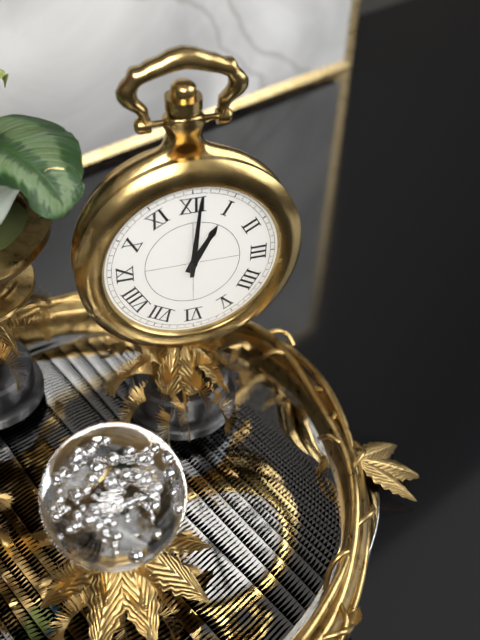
1:01
